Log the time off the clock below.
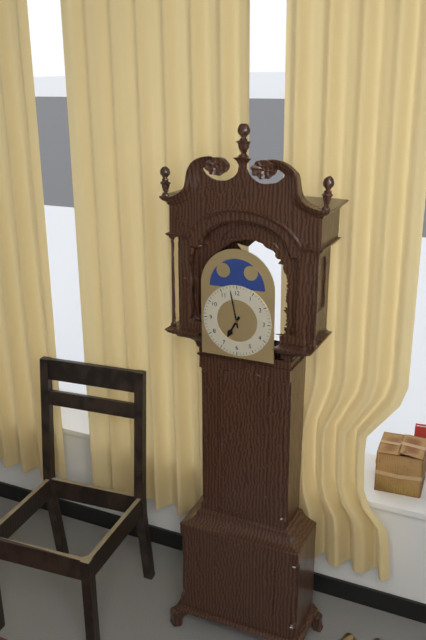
6:58
